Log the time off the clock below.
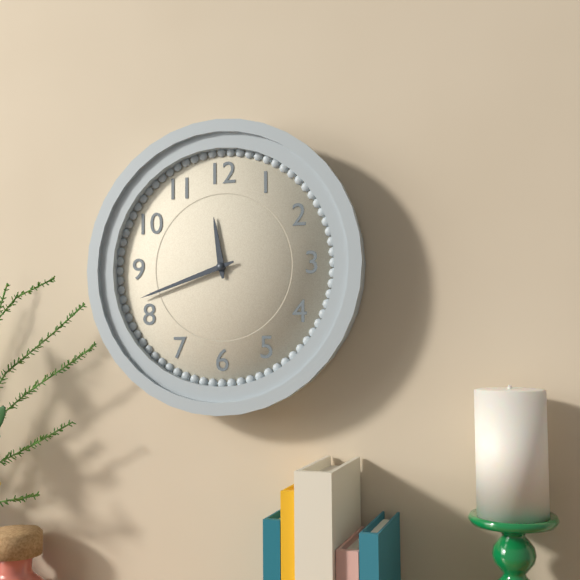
11:42
